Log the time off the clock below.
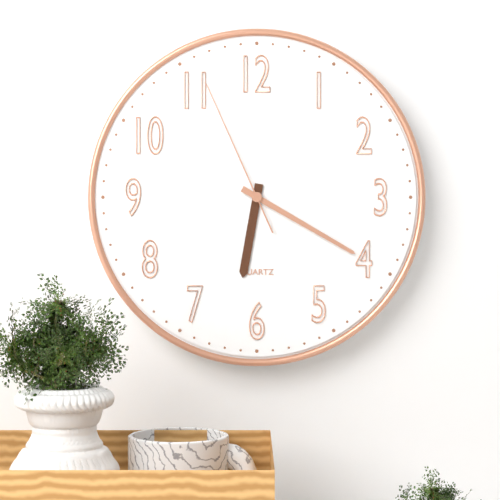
6:20:56
